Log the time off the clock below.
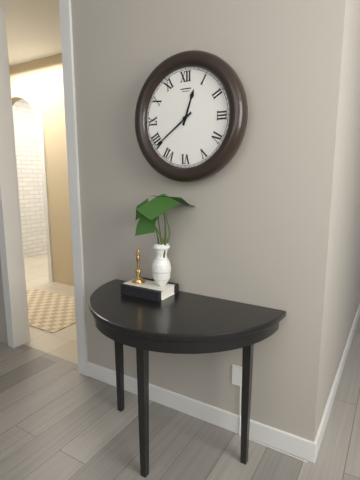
12:39
